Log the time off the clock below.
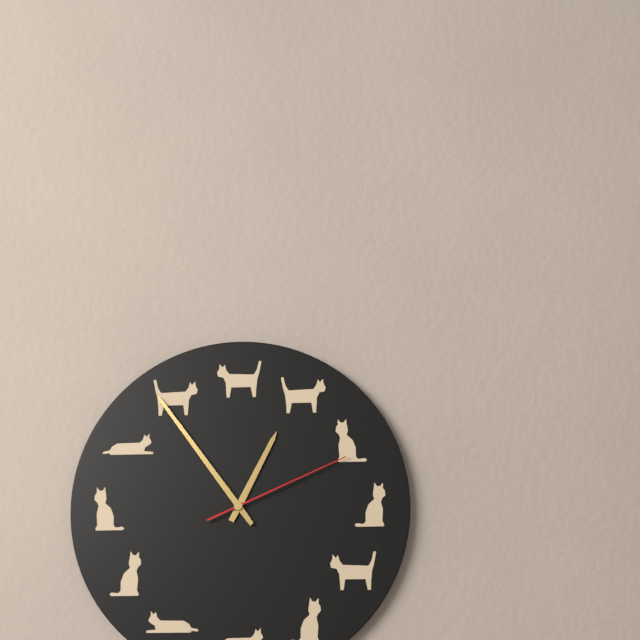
12:54:11
